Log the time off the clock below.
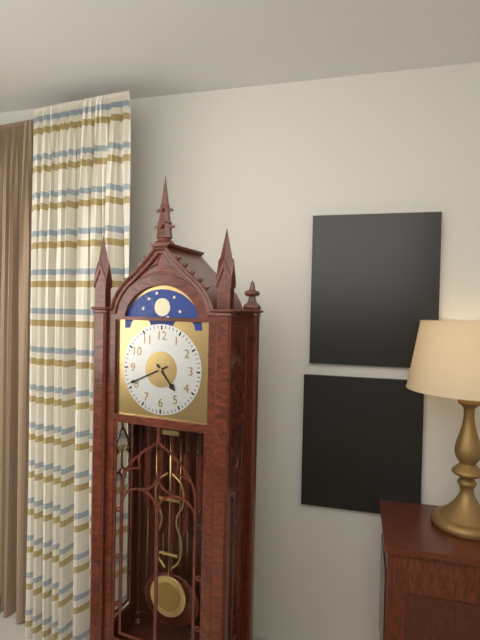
4:41
